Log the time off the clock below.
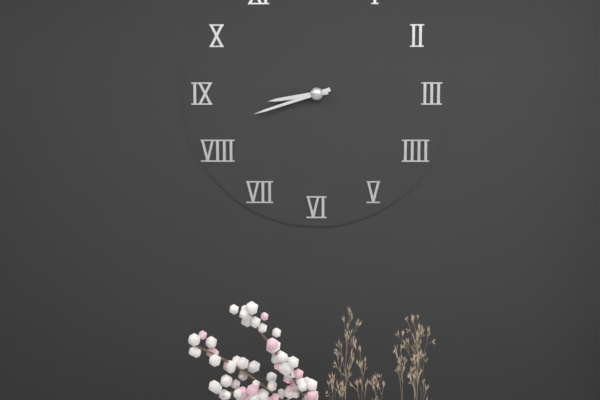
8:42
